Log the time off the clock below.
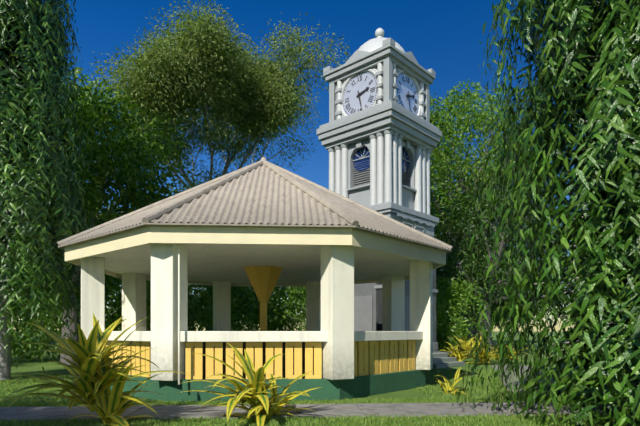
2:28
